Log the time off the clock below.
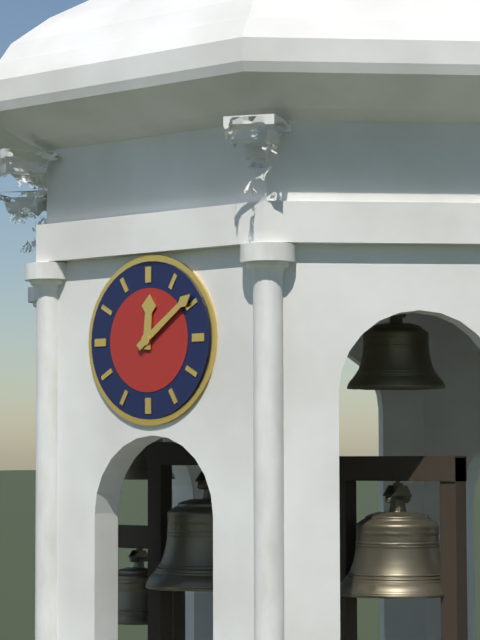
12:09
